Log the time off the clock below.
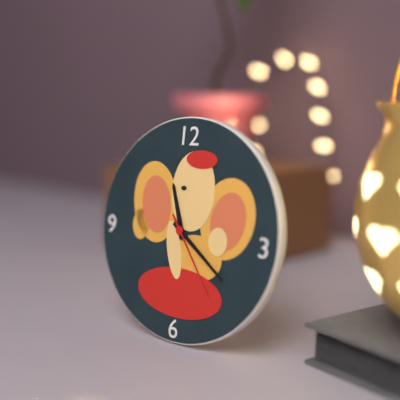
11:21:24
